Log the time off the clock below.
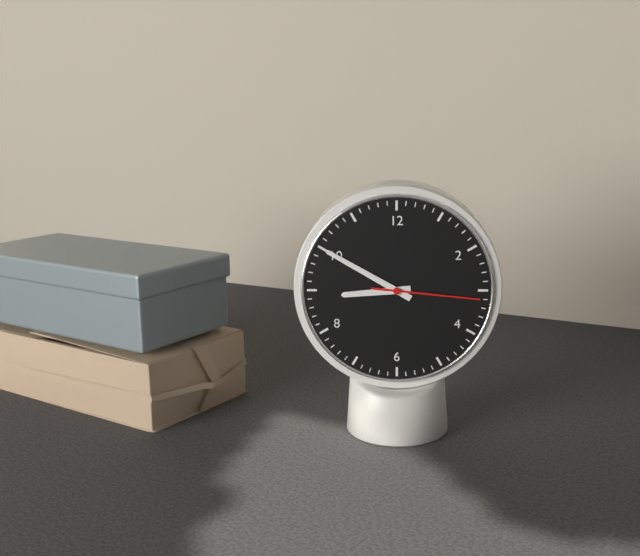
8:50:16
